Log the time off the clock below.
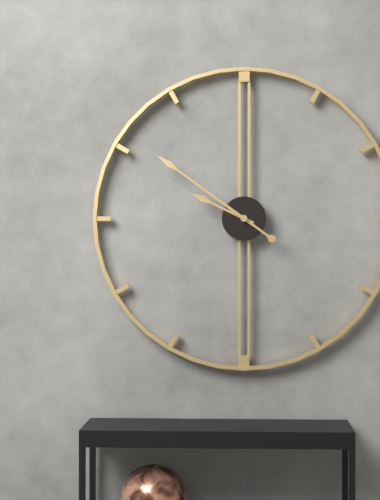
9:51
